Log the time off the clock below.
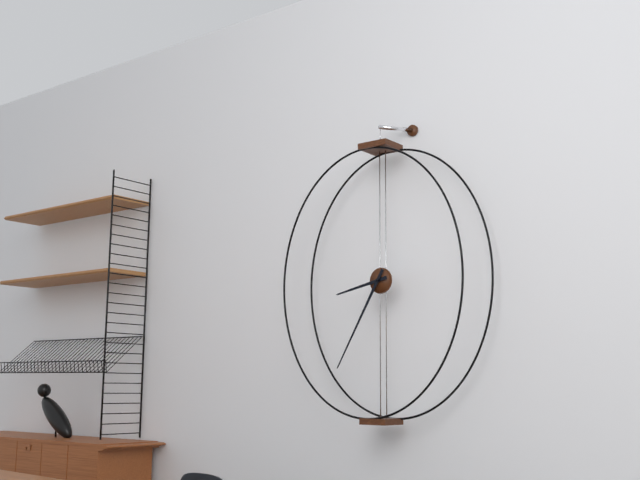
8:35
